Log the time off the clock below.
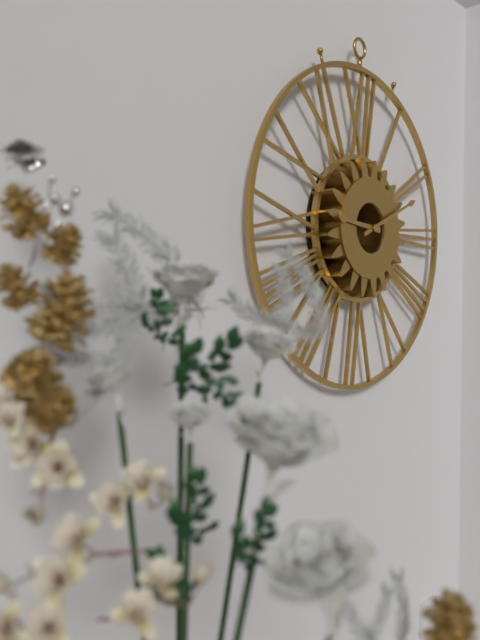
9:11
